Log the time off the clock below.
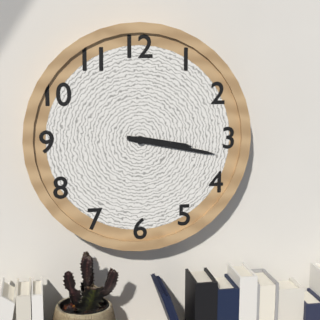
3:17
